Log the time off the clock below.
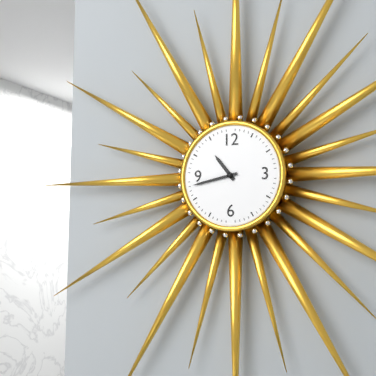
10:43
